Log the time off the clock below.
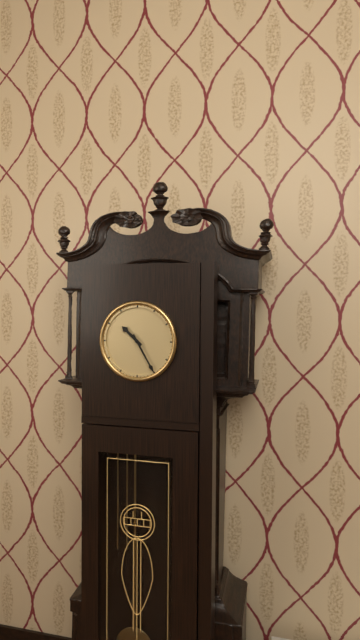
10:25
